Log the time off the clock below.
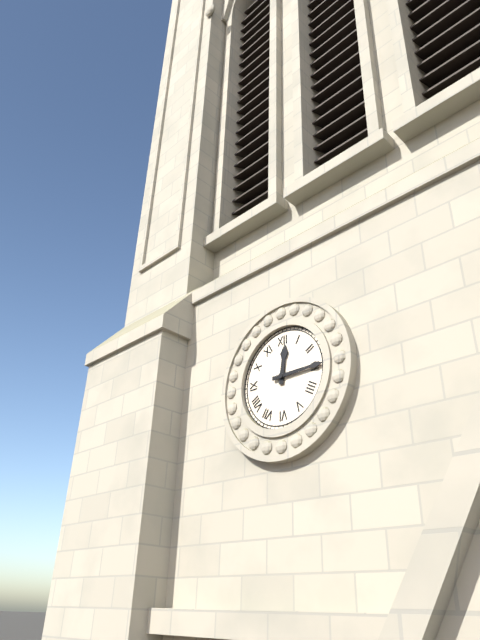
12:15
